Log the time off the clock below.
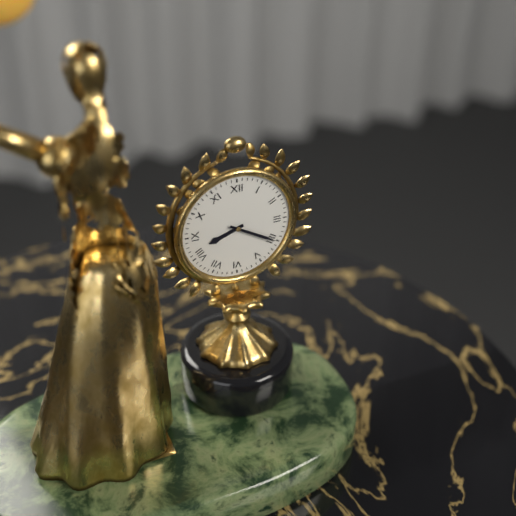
8:20
